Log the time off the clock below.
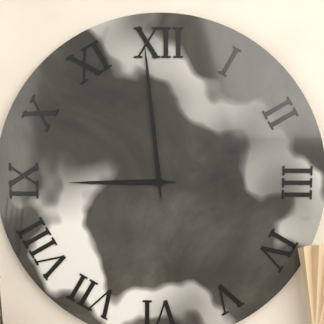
8:59
